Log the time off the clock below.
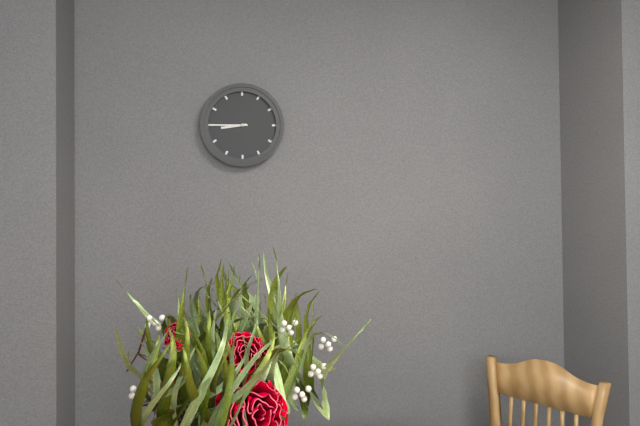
8:45
